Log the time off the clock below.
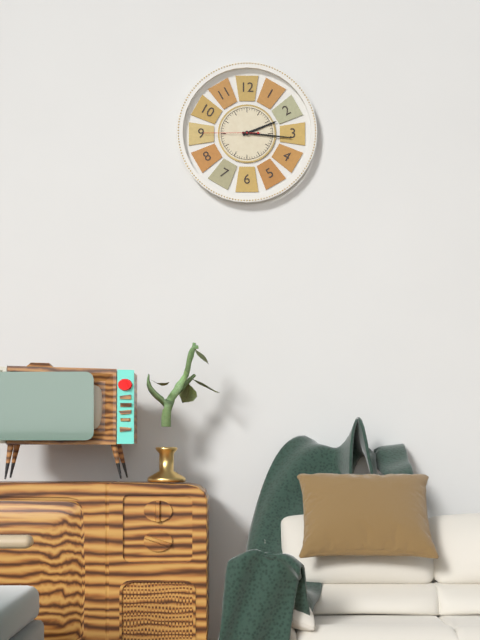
2:16:45
